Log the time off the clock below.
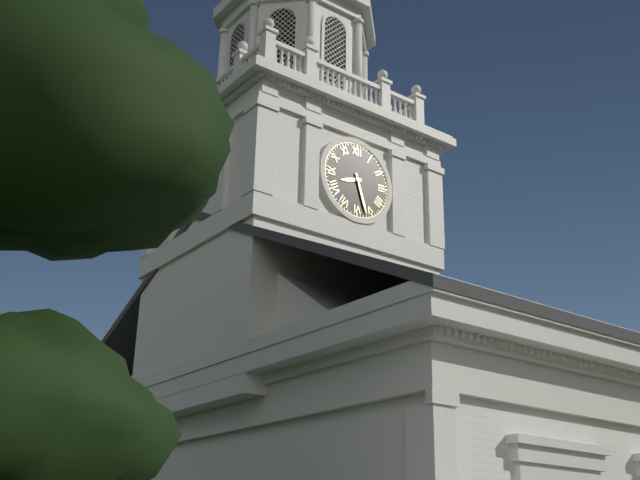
8:27
